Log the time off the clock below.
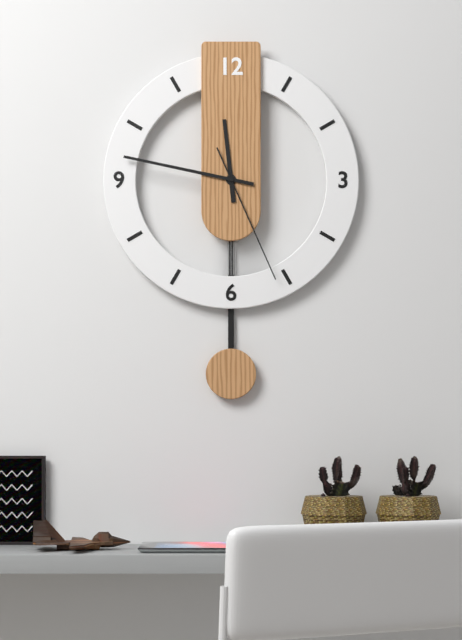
11:47:26
